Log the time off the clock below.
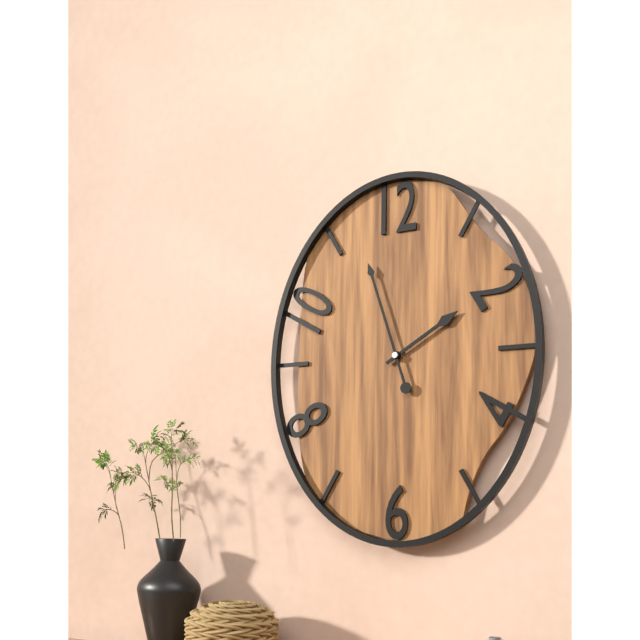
1:57
